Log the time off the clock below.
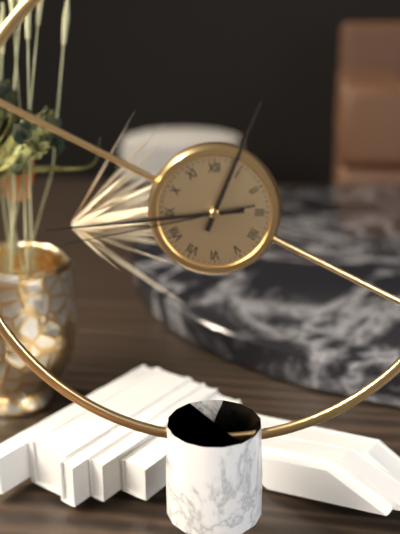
12:44:43
